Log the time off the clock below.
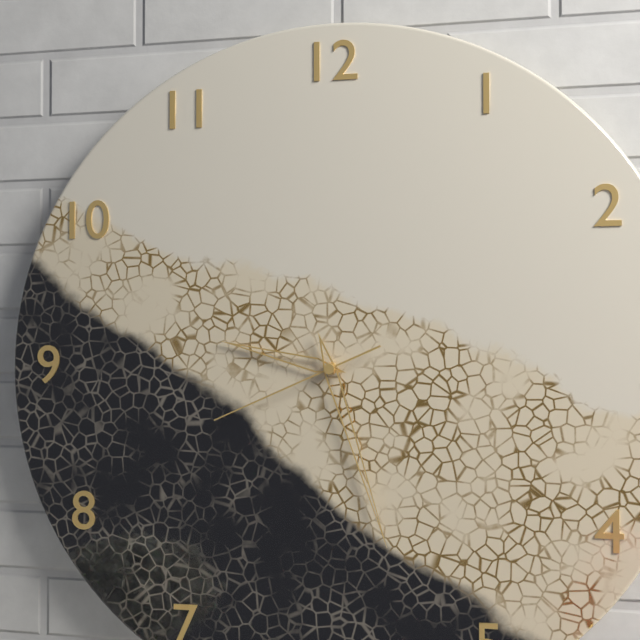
9:27:41
